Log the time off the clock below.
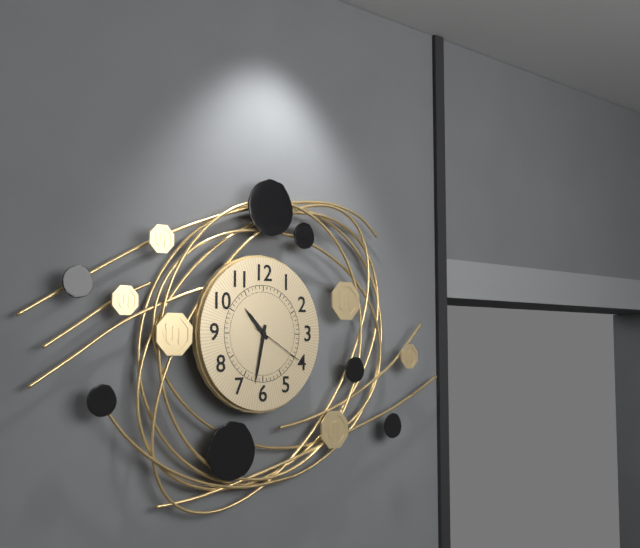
10:32:20
